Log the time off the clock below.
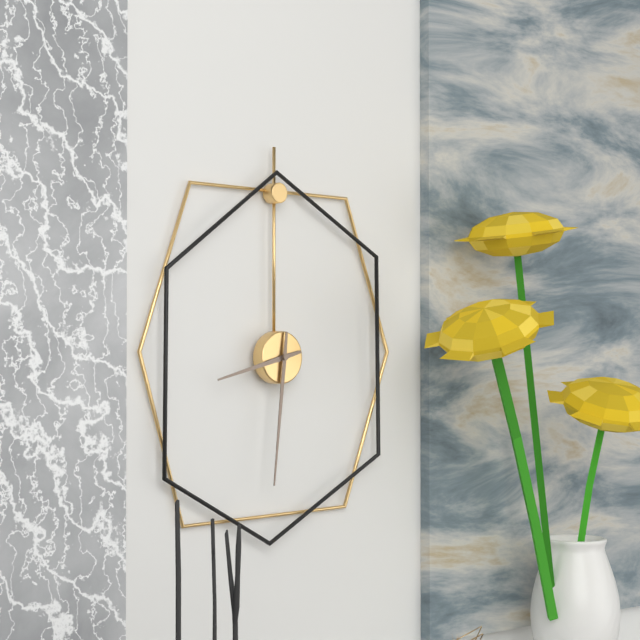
8:31
